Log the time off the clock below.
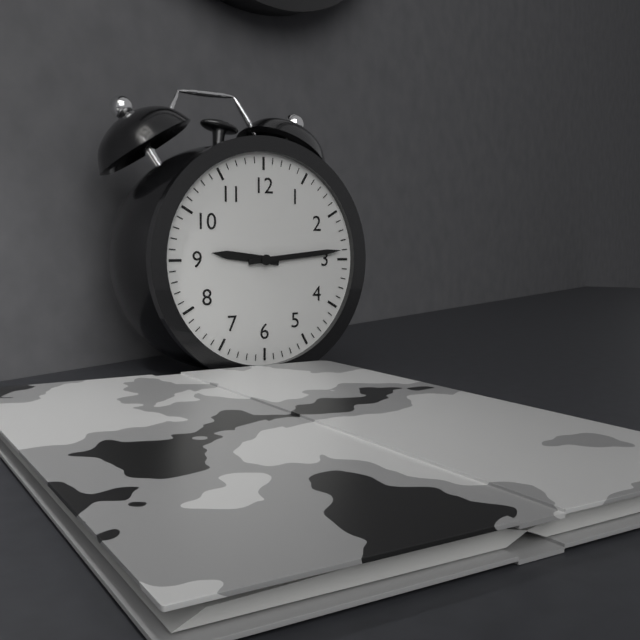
9:14
